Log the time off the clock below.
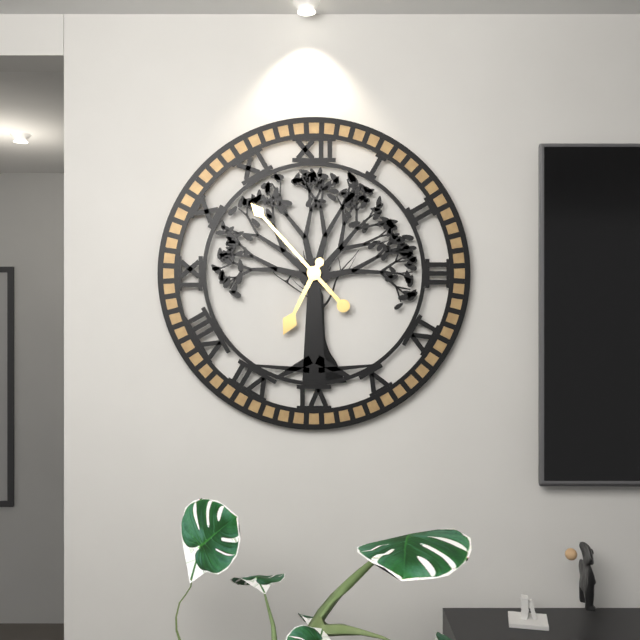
6:53
